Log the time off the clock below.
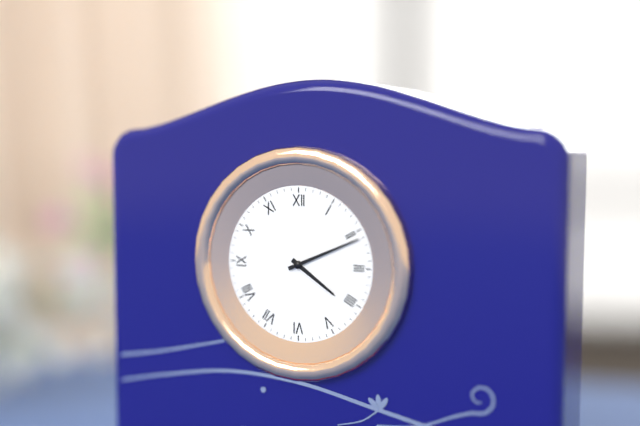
4:11
